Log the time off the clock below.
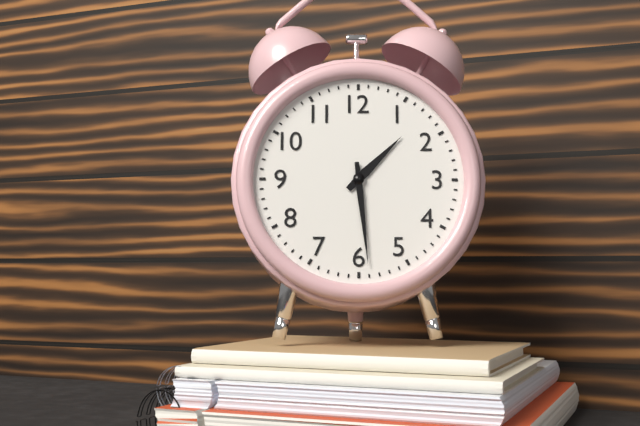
1:29
